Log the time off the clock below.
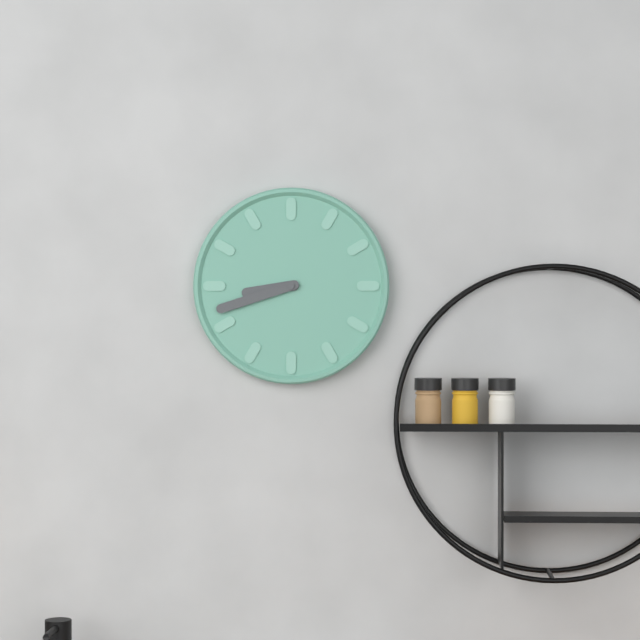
8:42
